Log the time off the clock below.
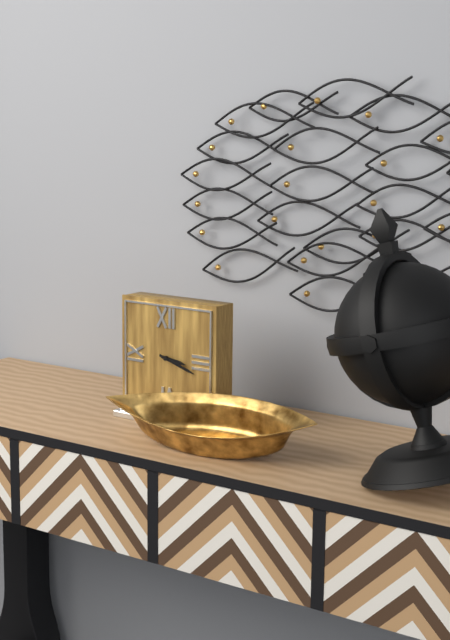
3:18
